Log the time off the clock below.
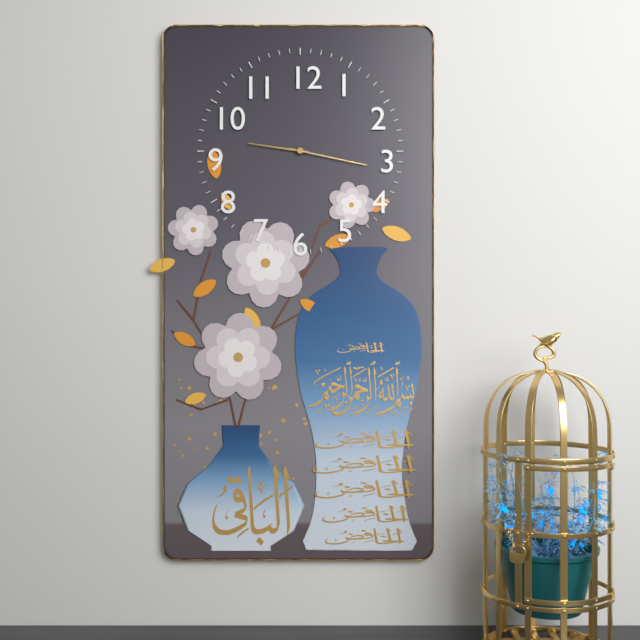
9:17
